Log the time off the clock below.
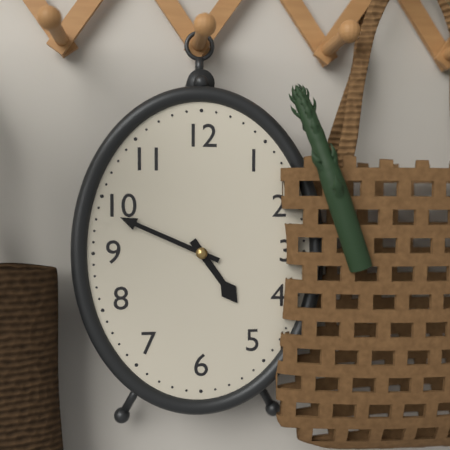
4:49
